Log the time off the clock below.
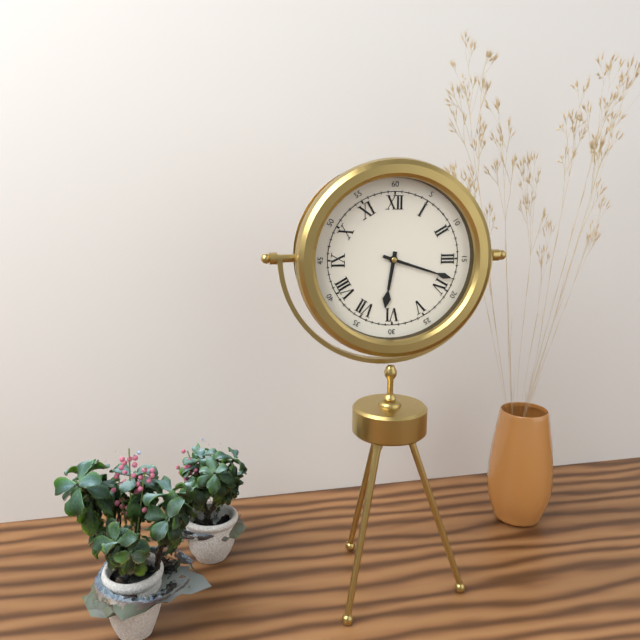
6:18
